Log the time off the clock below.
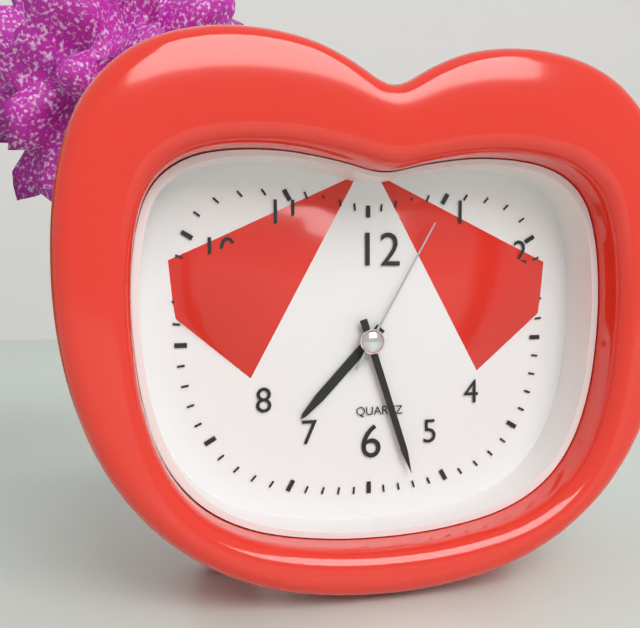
7:27:05
